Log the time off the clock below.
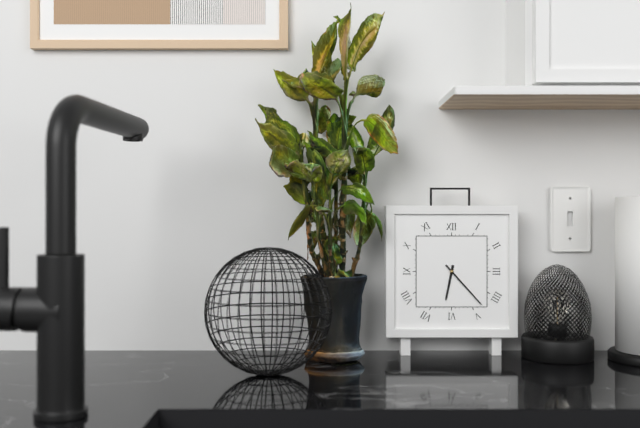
6:23
